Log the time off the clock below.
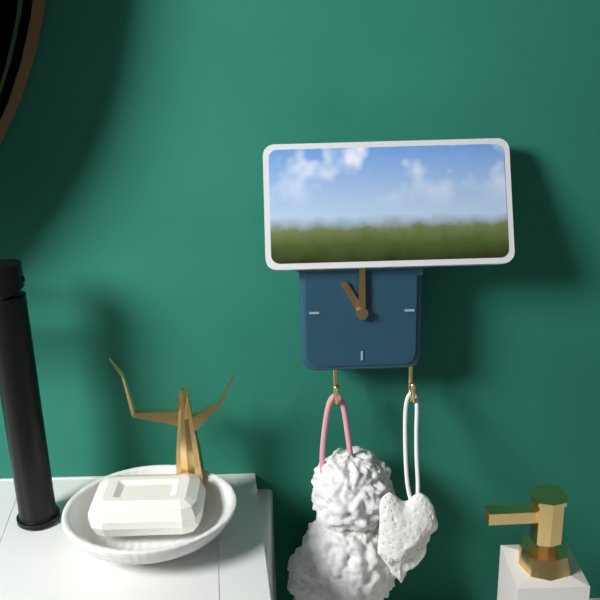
11:00
